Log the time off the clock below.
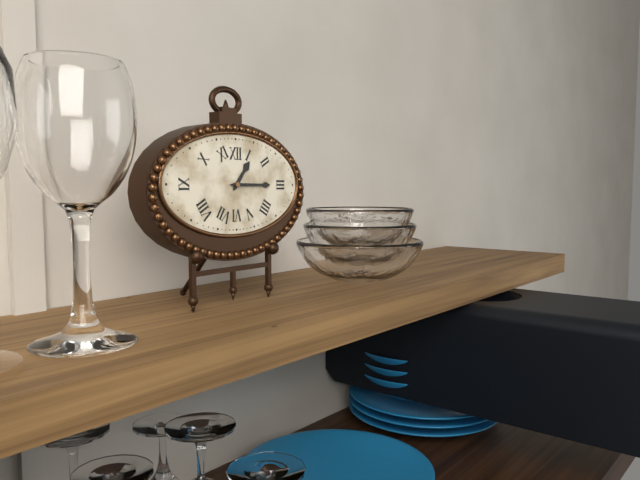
1:15
